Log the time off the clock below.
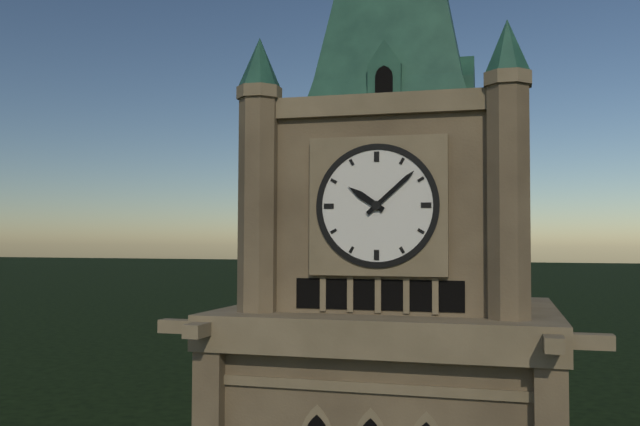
10:08
